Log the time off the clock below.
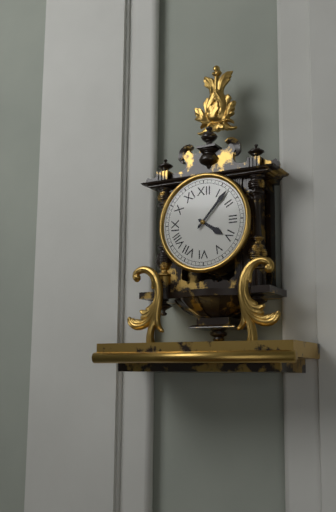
4:07
